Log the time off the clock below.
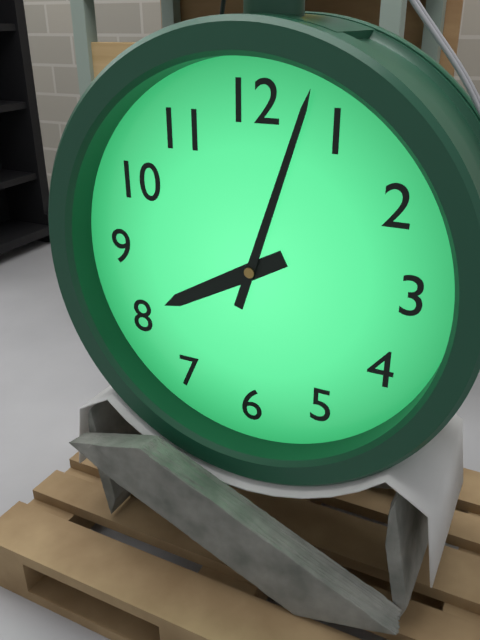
8:03
